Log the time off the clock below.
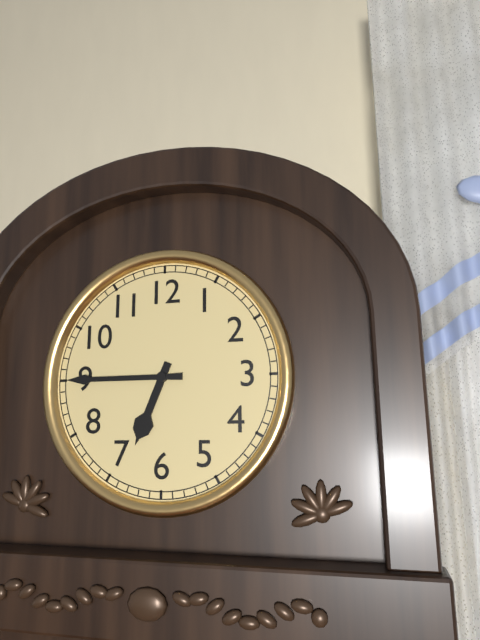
6:45
